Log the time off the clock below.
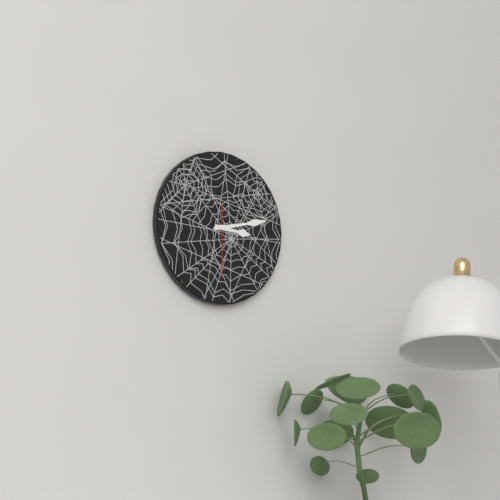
3:13:30
